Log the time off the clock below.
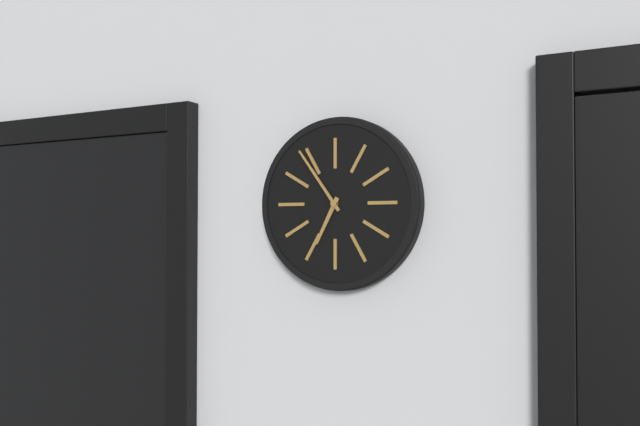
6:54
